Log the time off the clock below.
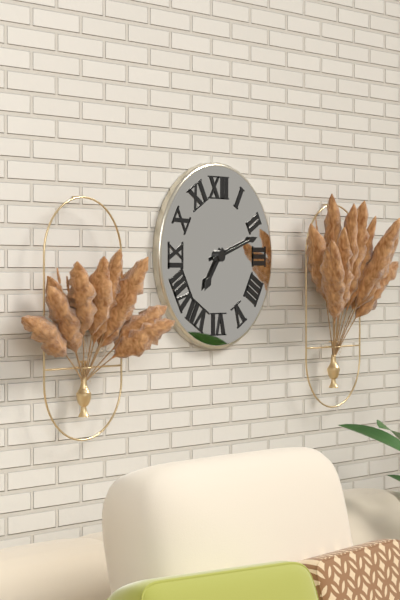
7:12
